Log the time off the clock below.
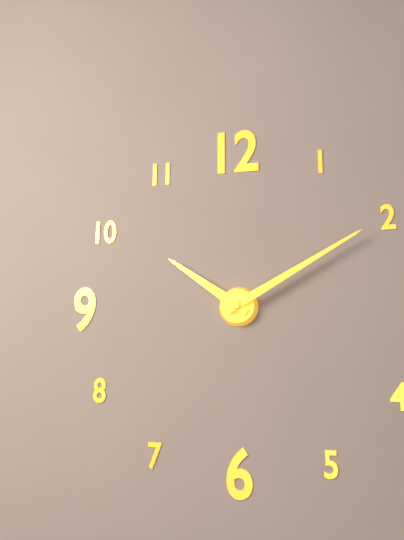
10:10
